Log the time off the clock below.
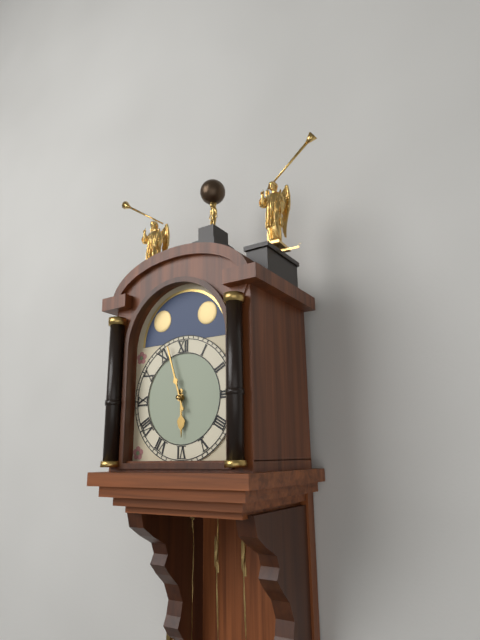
5:57
